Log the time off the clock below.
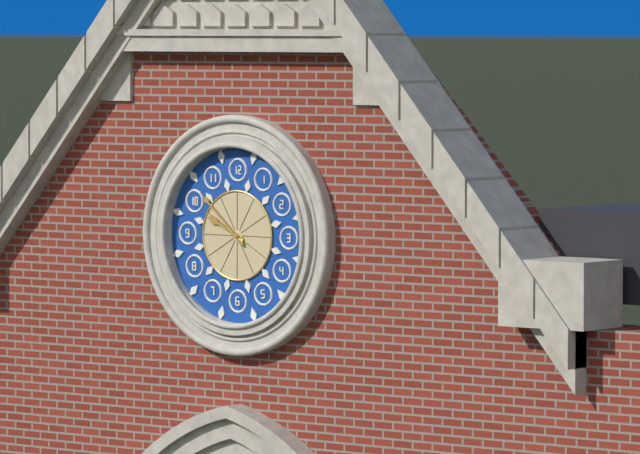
9:52
